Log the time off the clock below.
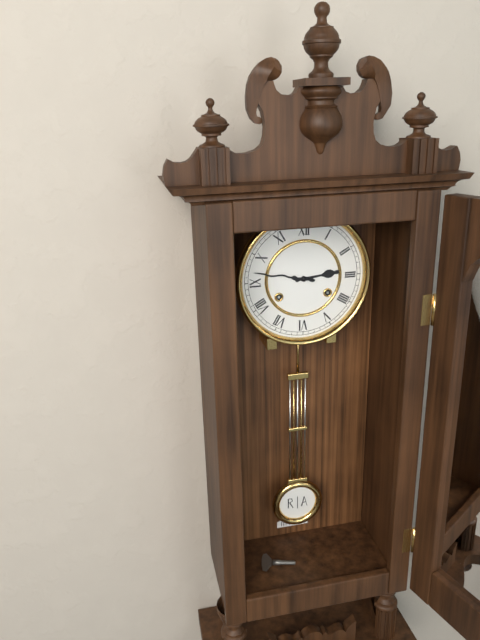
2:47
